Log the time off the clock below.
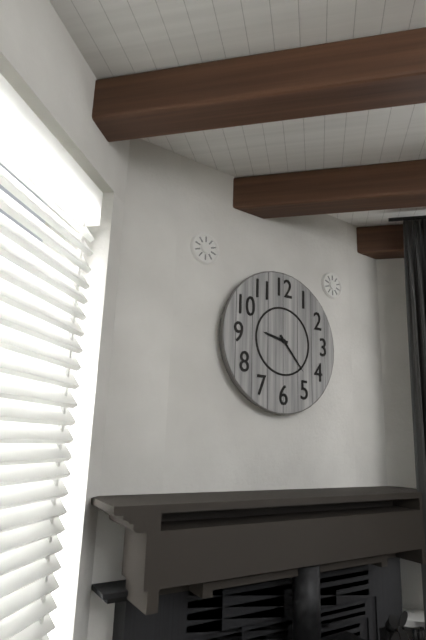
9:23
